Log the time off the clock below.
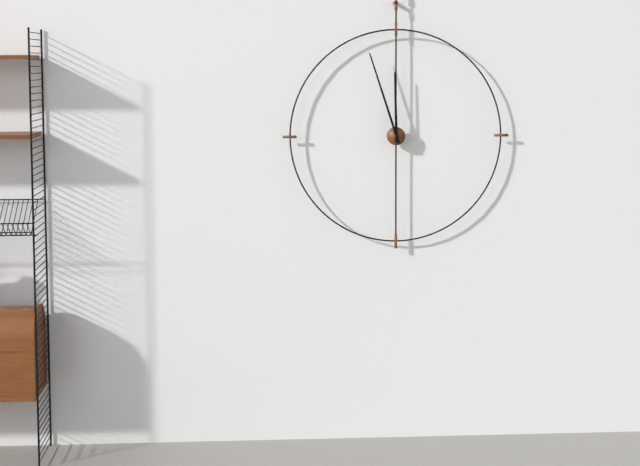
11:57
